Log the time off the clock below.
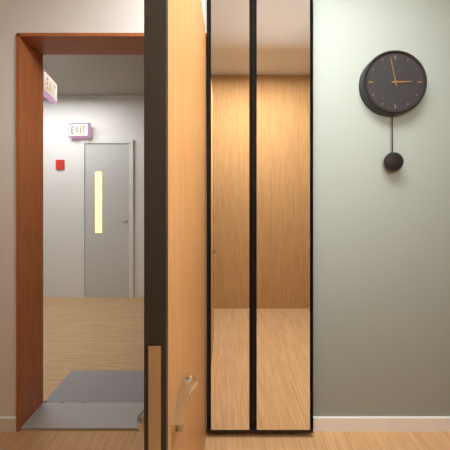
2:58
